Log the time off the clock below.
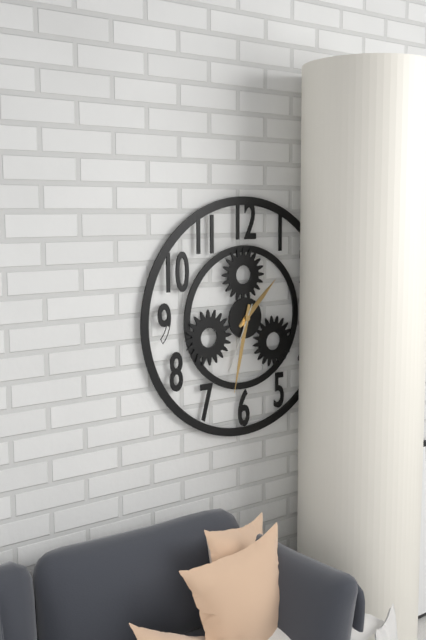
1:32:34
